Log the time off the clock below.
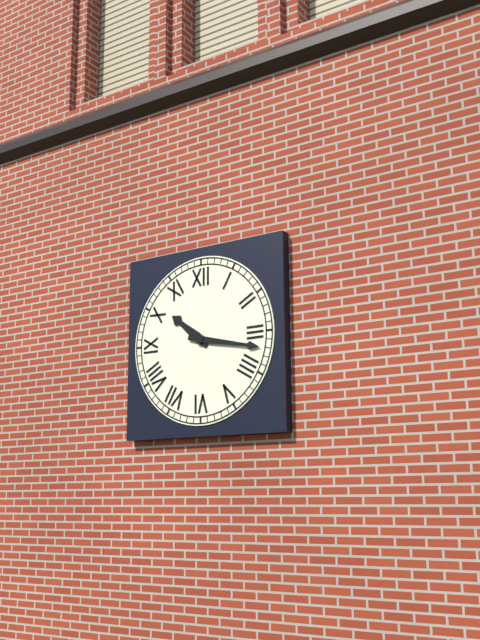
10:17
